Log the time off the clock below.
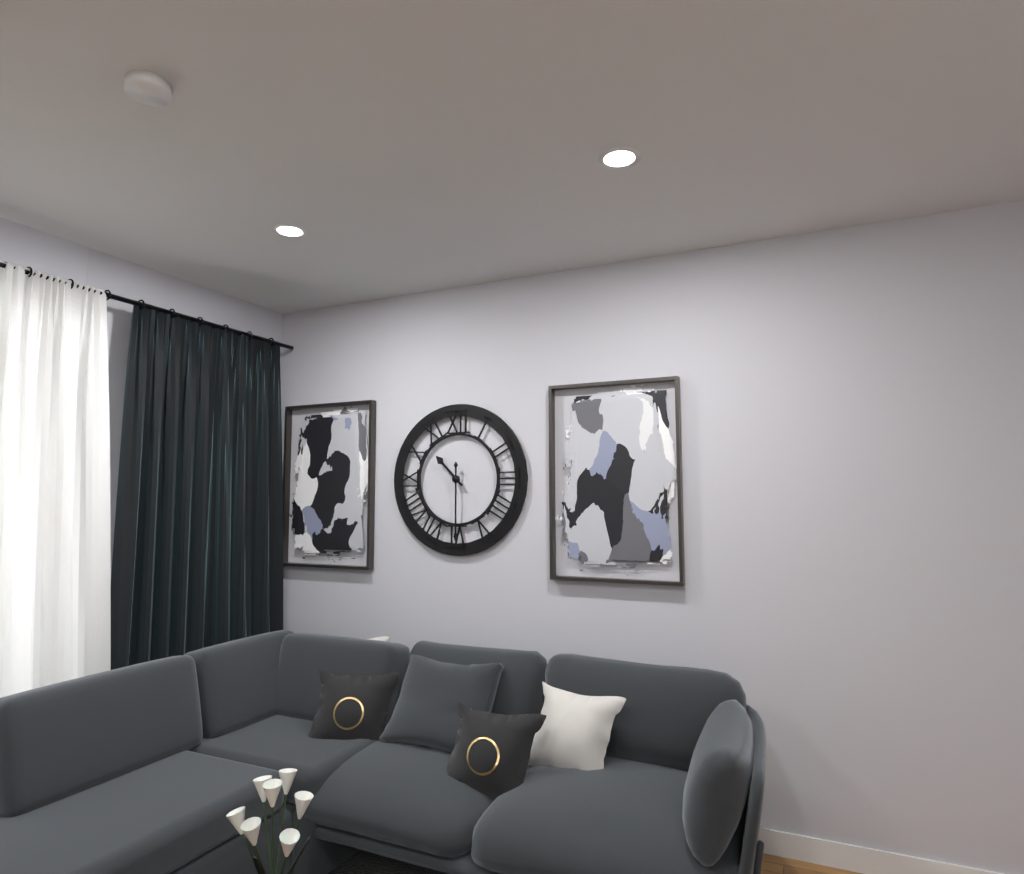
10:30
